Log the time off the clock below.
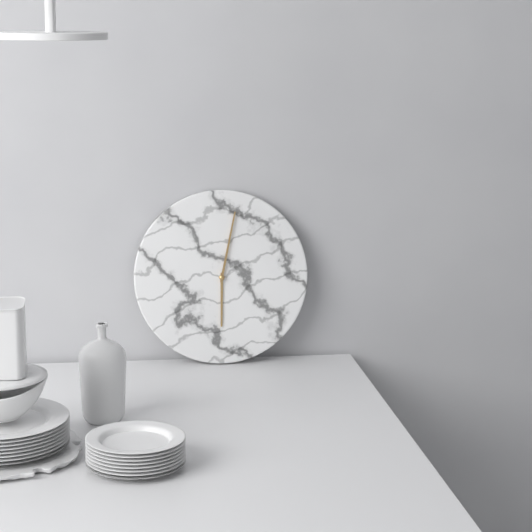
6:02
